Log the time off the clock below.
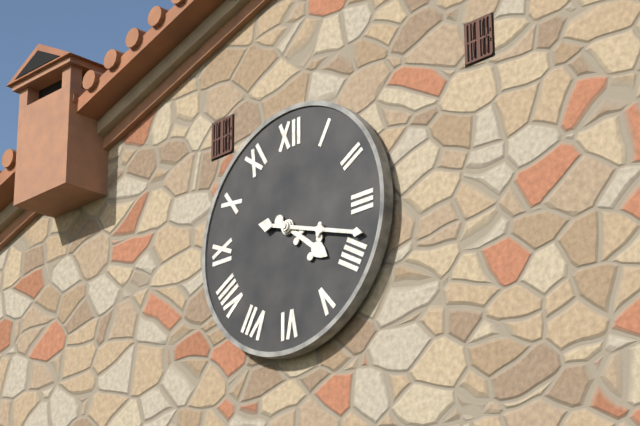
4:18
